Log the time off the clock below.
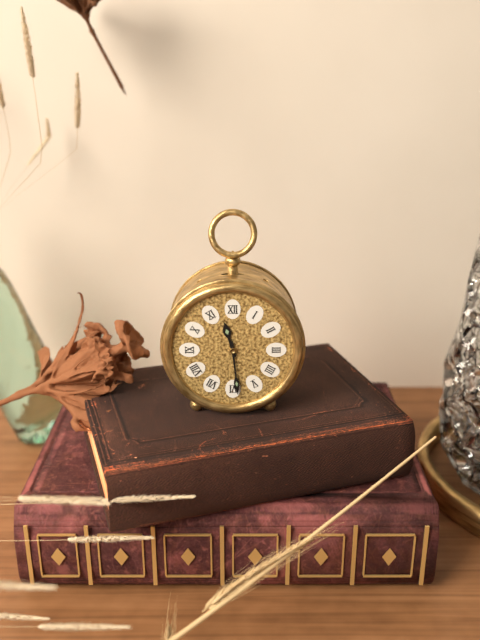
11:29
